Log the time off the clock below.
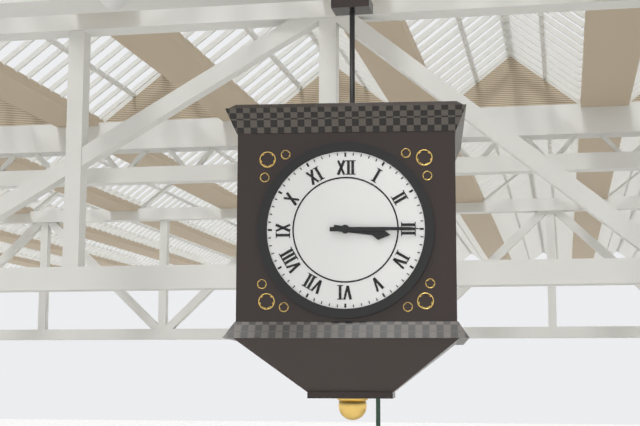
3:15
